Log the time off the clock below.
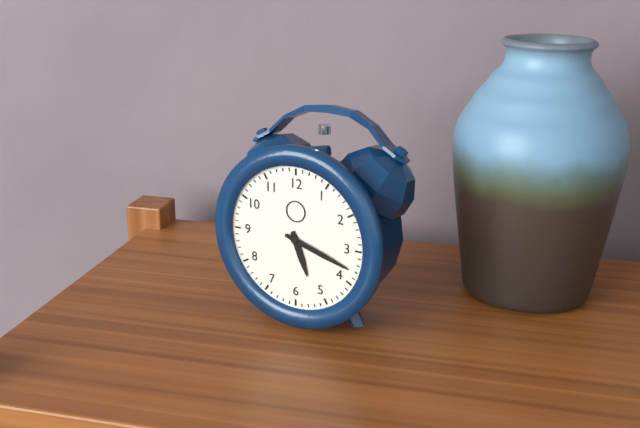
5:18
